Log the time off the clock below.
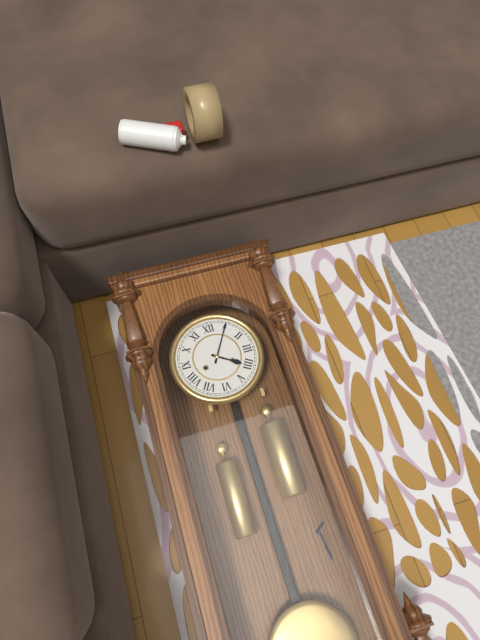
4:05
